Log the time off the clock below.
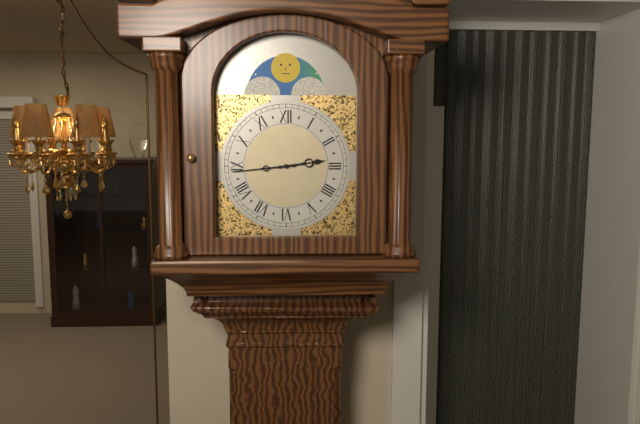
2:44
